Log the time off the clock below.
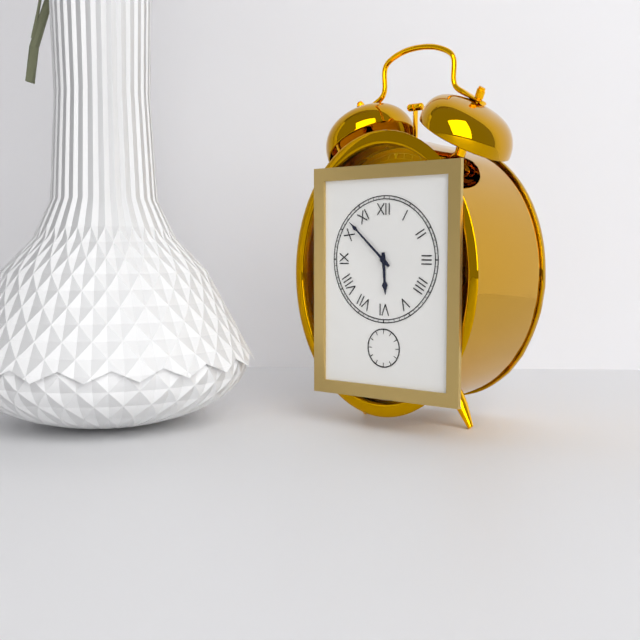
5:52
